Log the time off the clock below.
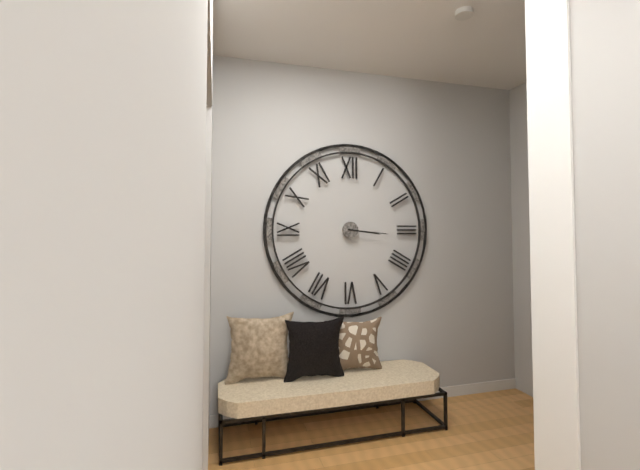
3:16
